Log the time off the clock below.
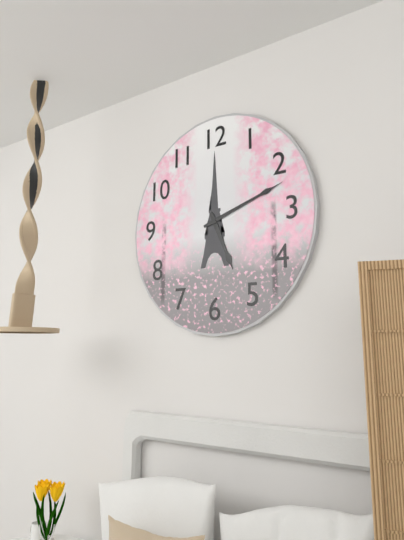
5:12
